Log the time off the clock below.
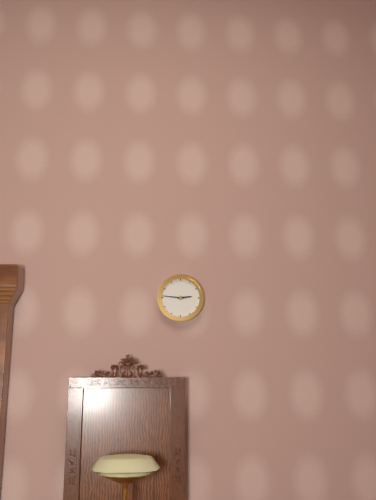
2:46
